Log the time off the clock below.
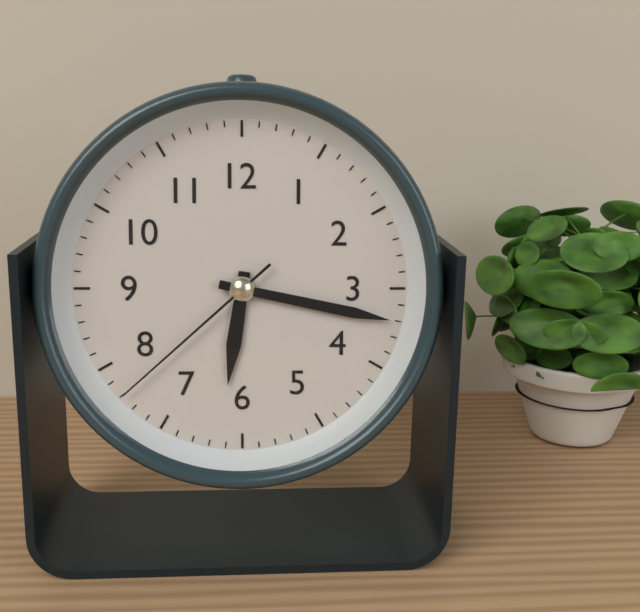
6:17:38
